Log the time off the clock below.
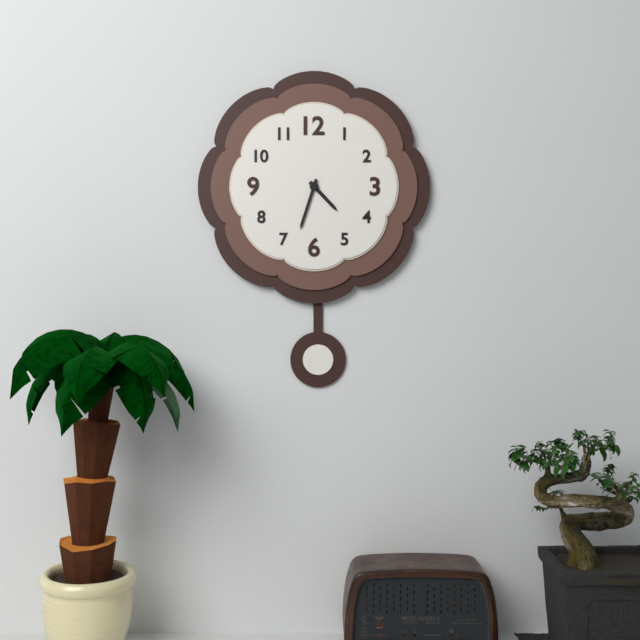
4:33
